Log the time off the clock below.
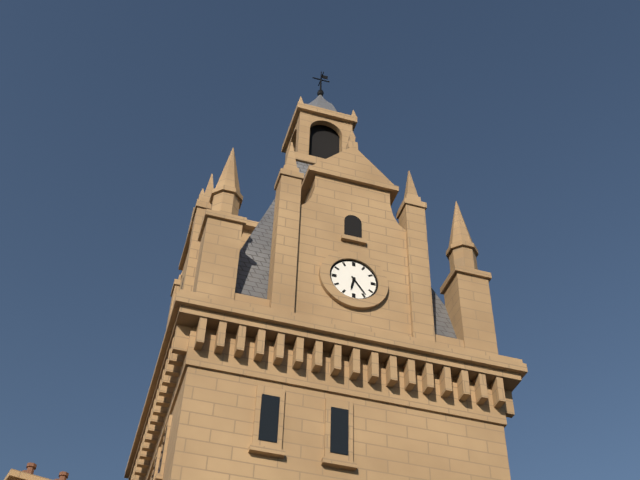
6:24
